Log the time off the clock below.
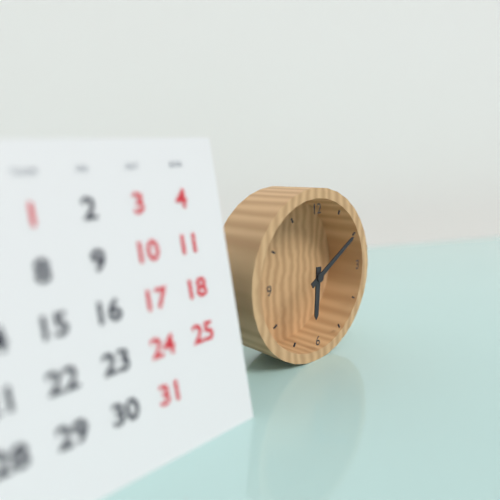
6:10
